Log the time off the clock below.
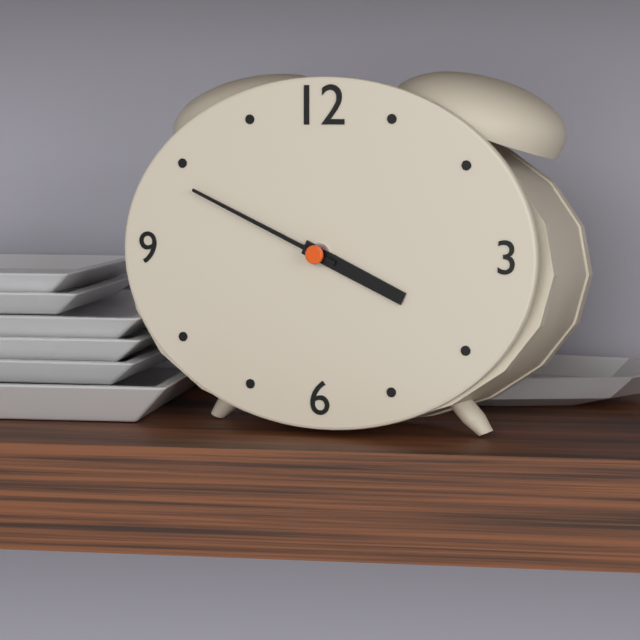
3:49
